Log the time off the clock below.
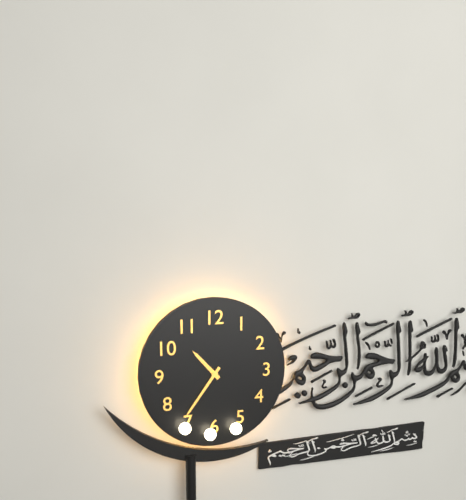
10:36
